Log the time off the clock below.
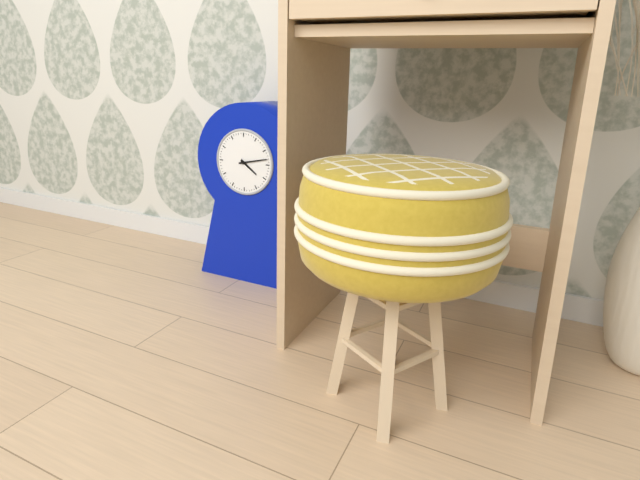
4:13
